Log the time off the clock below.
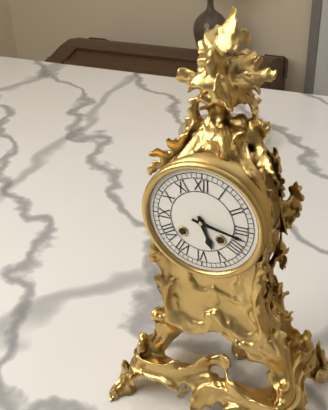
5:17
